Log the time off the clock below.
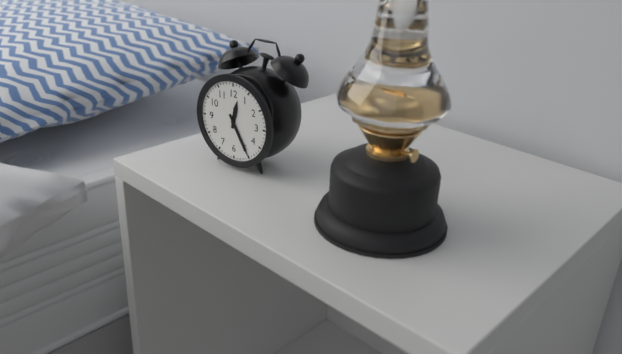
12:25
